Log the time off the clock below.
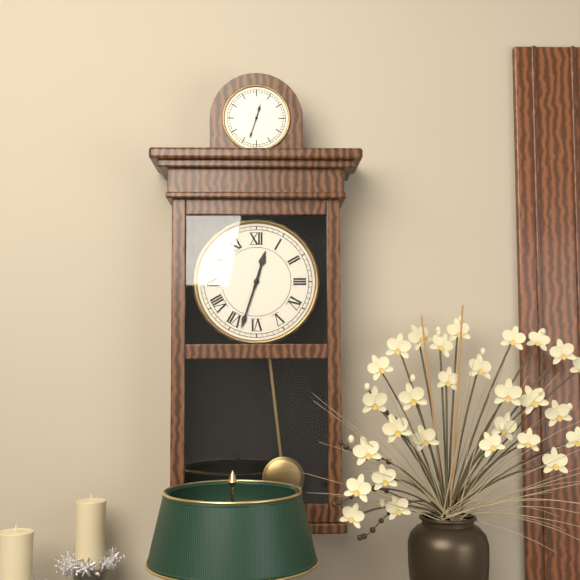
12:33
